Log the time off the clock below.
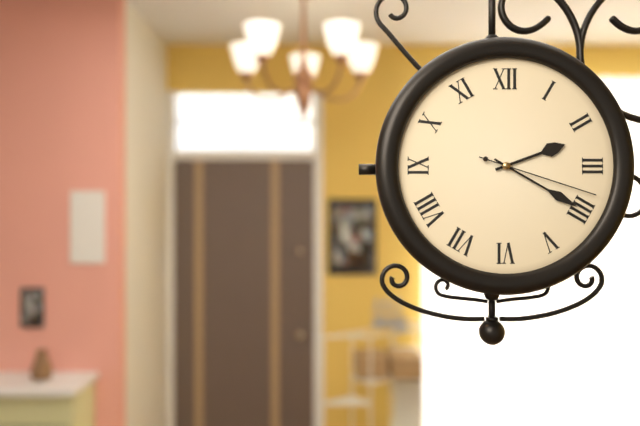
2:20:18
